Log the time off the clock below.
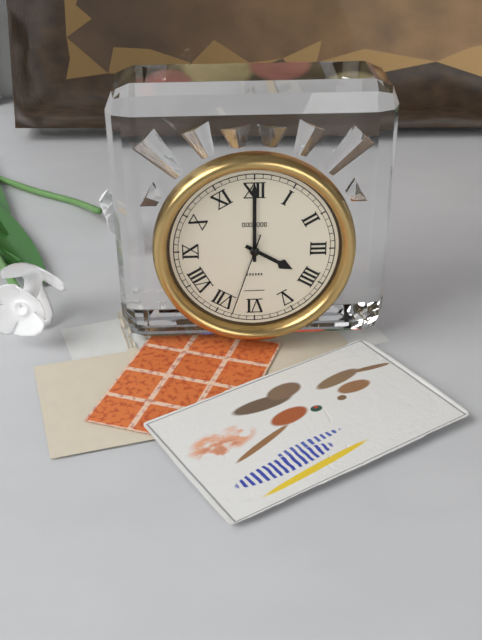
4:00:33
